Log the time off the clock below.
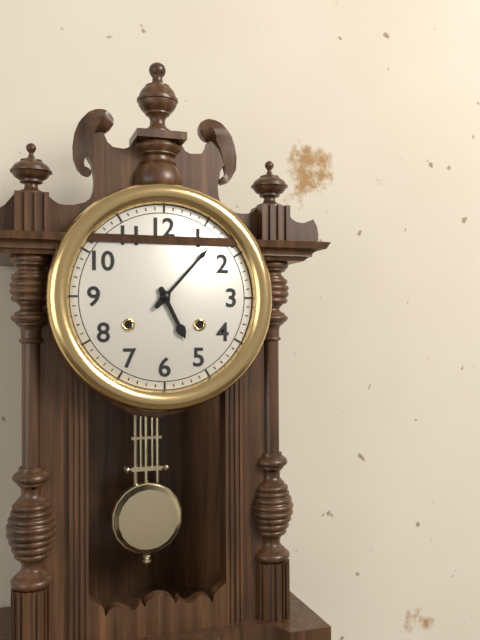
5:07
